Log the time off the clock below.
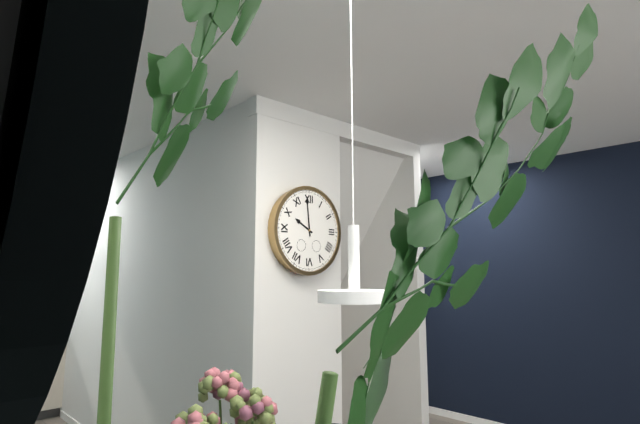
9:59
